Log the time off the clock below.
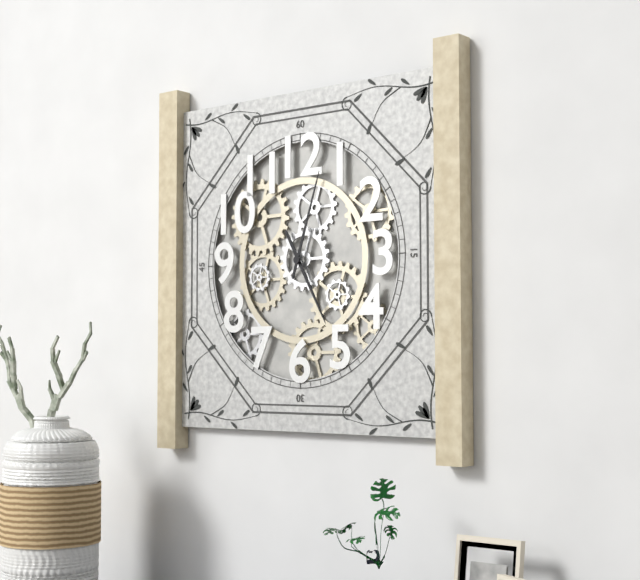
5:03
